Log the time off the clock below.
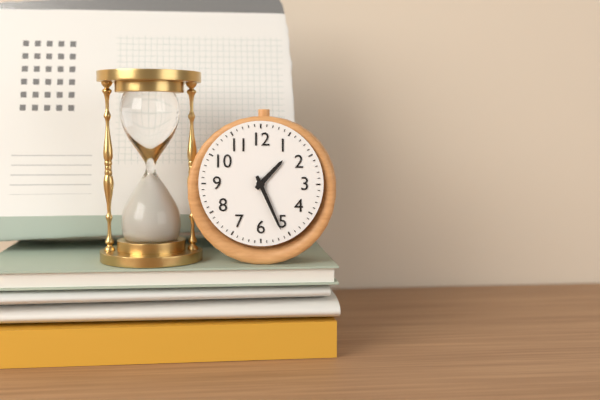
1:26
